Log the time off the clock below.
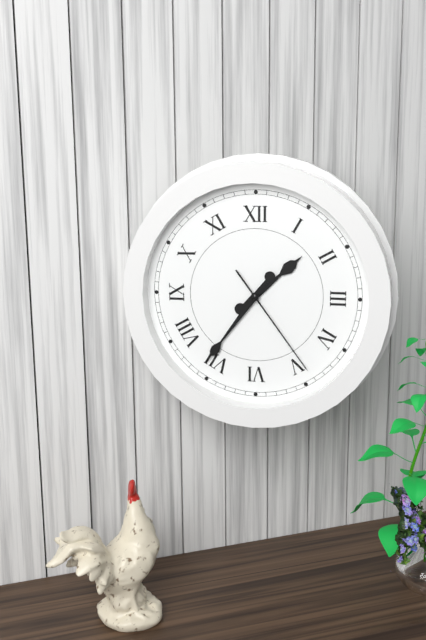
1:36:24
